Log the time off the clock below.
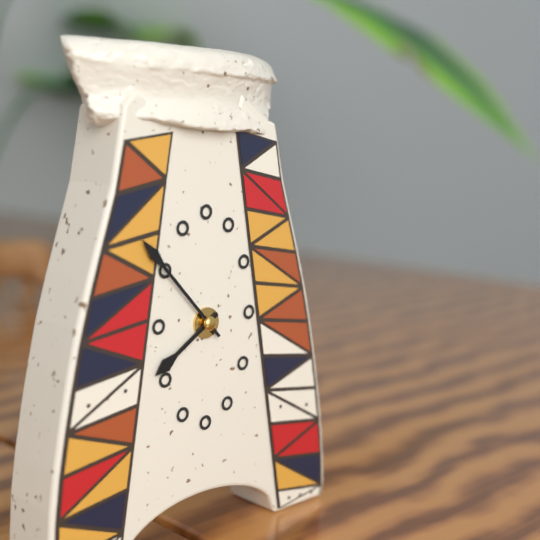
7:53
